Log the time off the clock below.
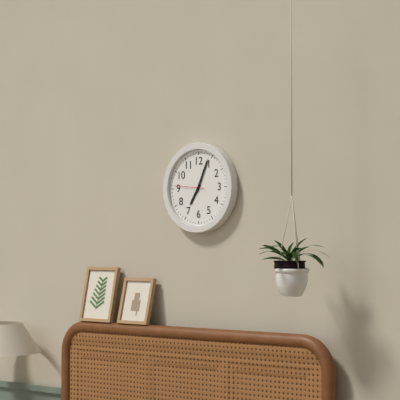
7:04
